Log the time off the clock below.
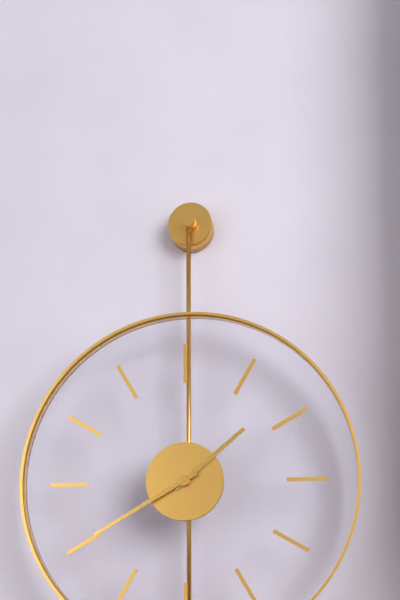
1:40
